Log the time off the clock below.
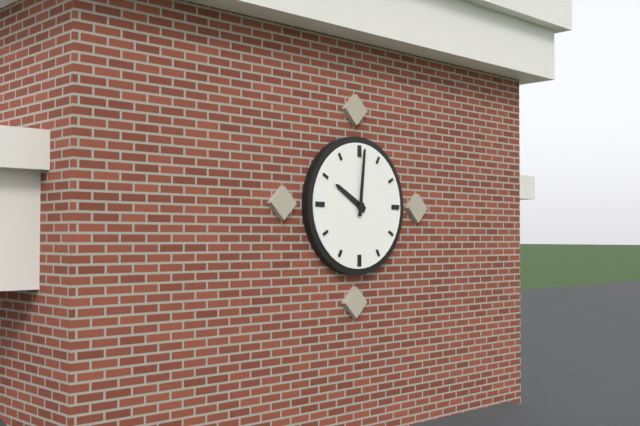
10:01
